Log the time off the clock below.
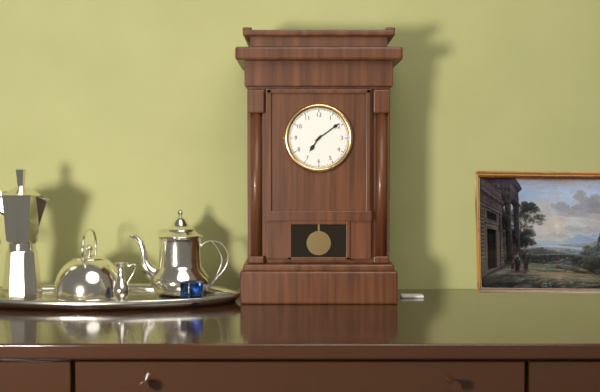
7:09
